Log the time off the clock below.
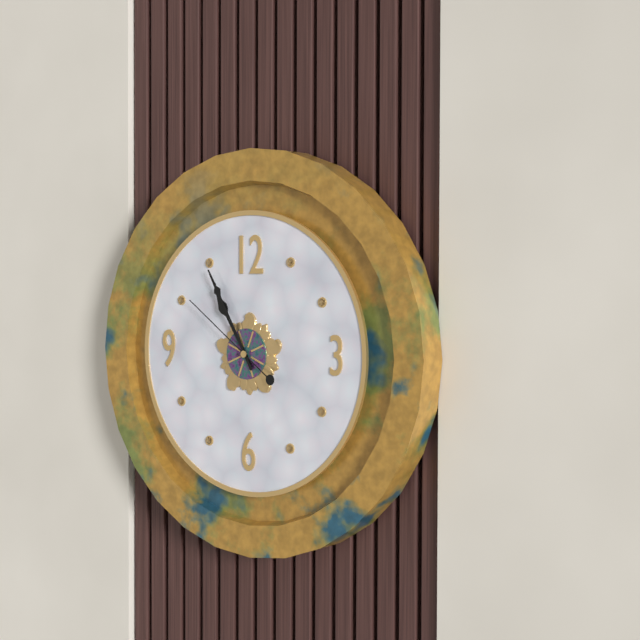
10:55:51
